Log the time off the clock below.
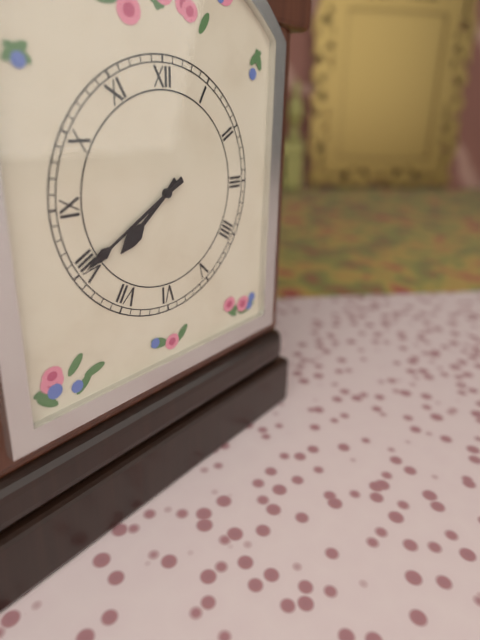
7:40
